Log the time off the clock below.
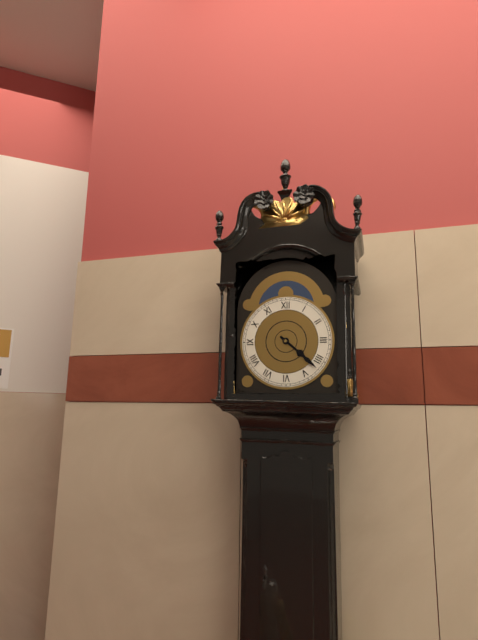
4:22
